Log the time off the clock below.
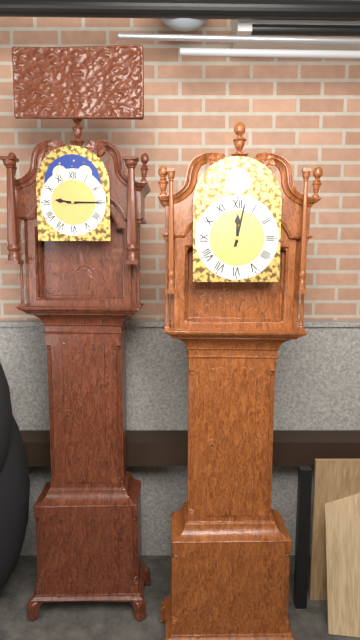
12:02
